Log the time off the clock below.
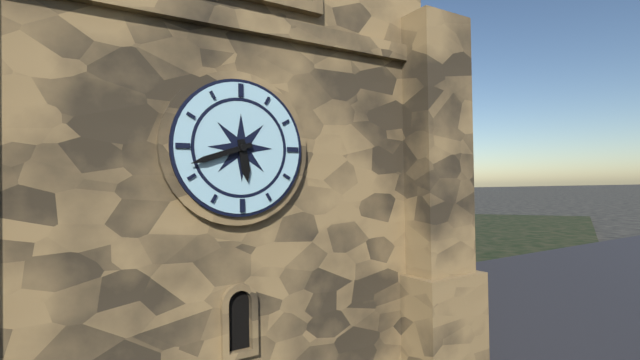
5:42
